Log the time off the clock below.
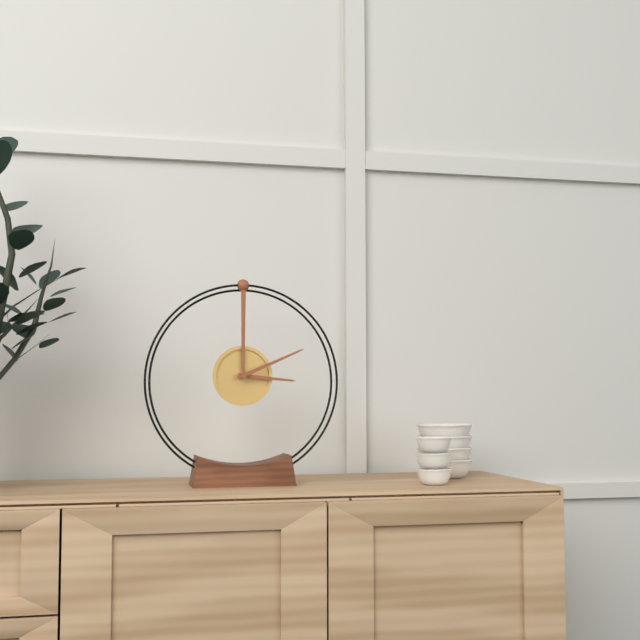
3:11
